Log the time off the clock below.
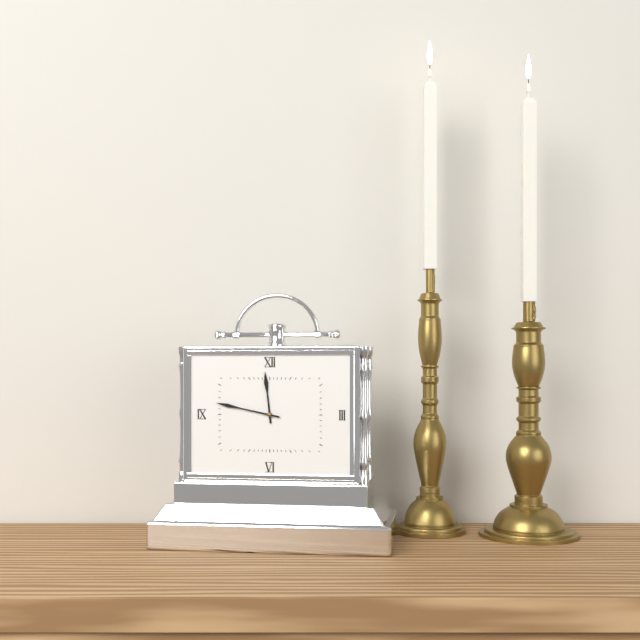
11:47
